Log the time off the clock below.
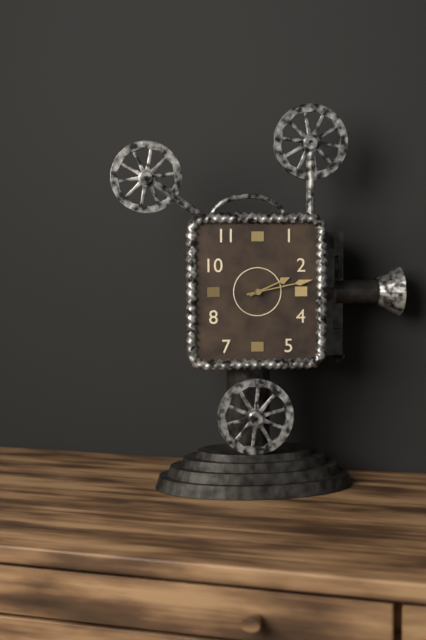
2:13
